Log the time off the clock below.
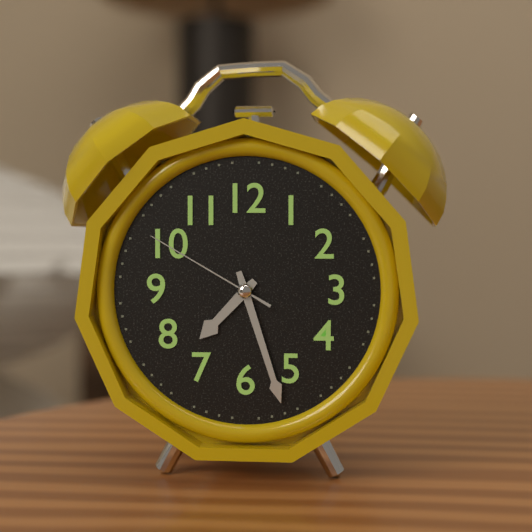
7:27:50
